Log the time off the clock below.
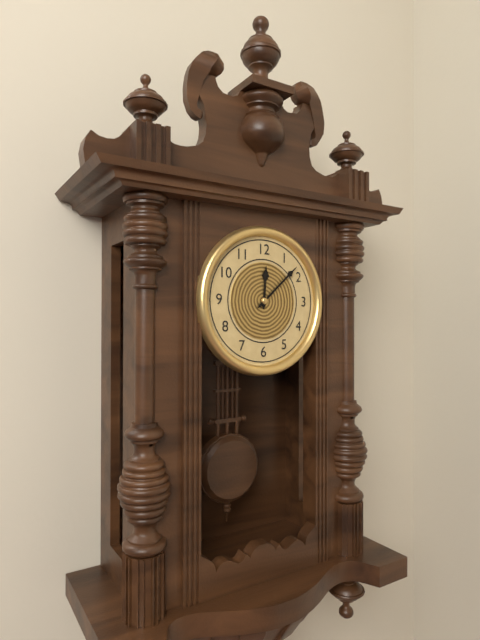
12:08
